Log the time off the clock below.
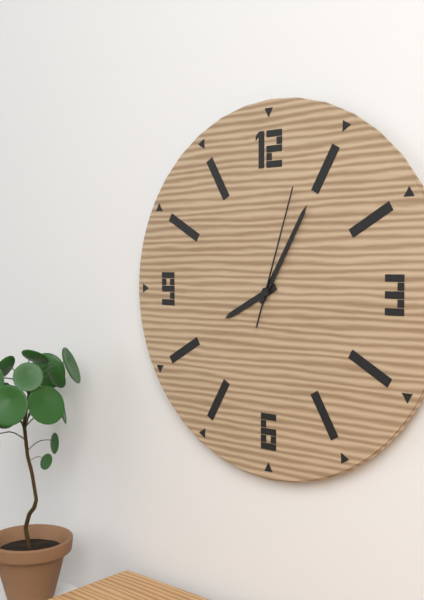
8:05:03
